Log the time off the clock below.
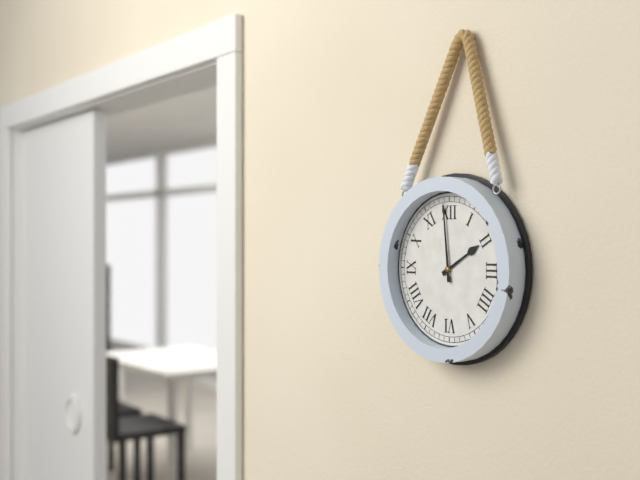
1:59
